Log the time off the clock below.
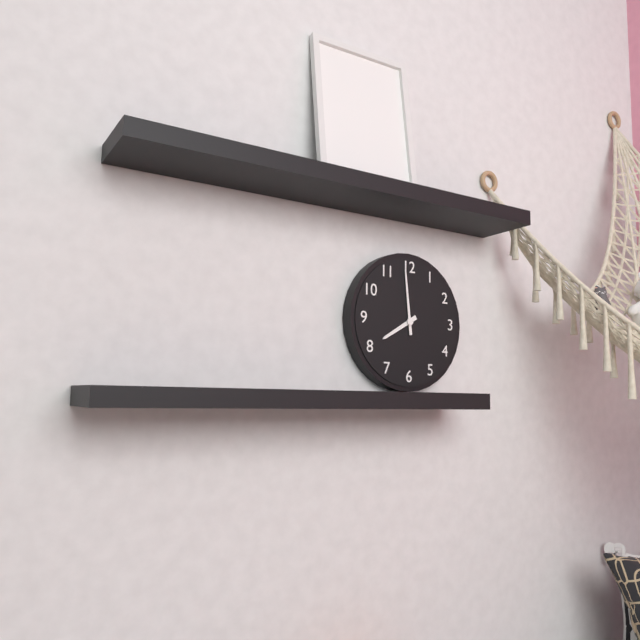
7:59
